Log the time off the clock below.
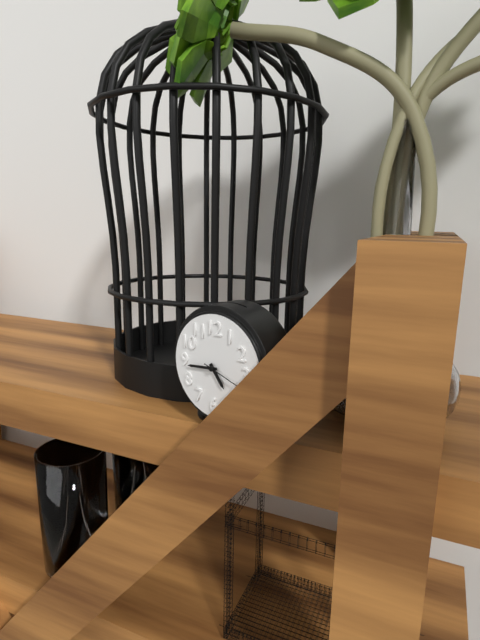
4:44
